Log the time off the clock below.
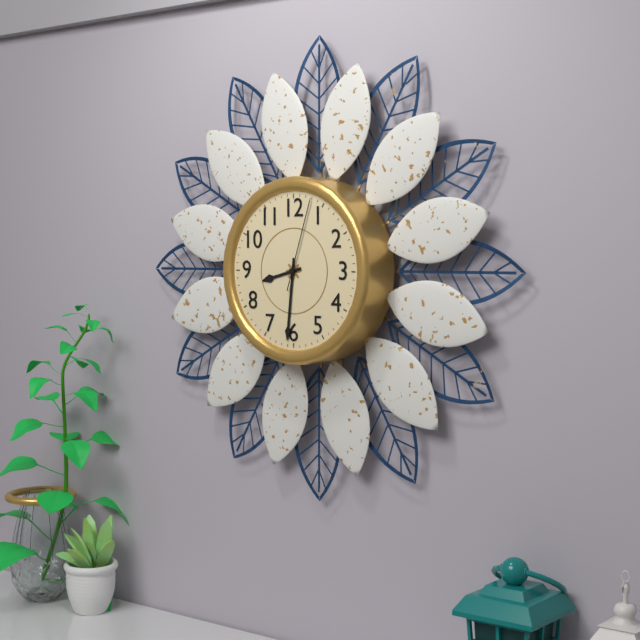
8:31:03
